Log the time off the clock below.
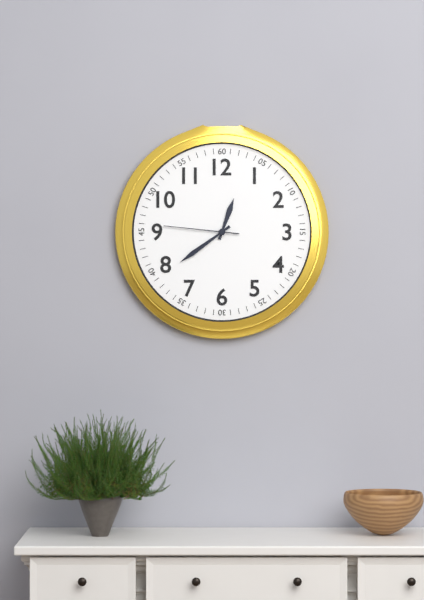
12:39:46
